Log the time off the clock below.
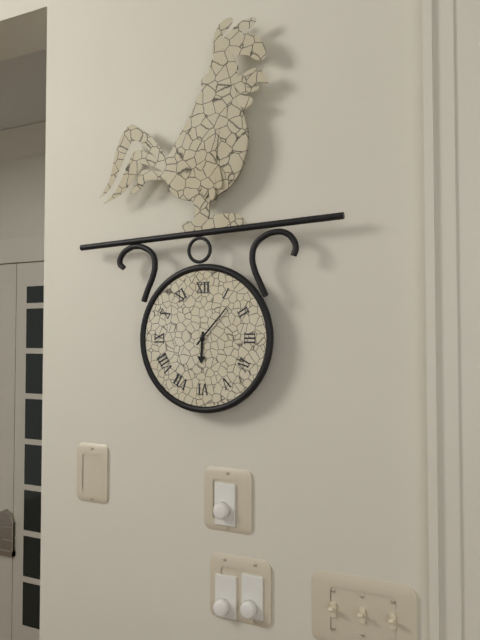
6:07
